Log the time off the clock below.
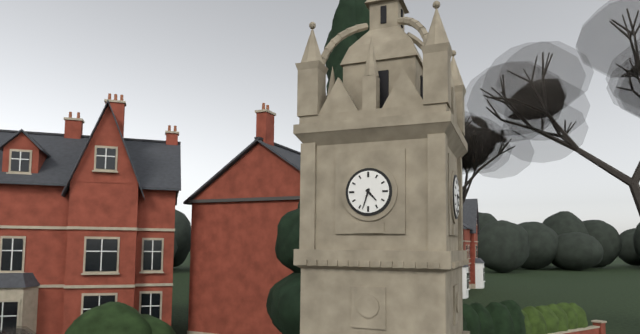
4:33
